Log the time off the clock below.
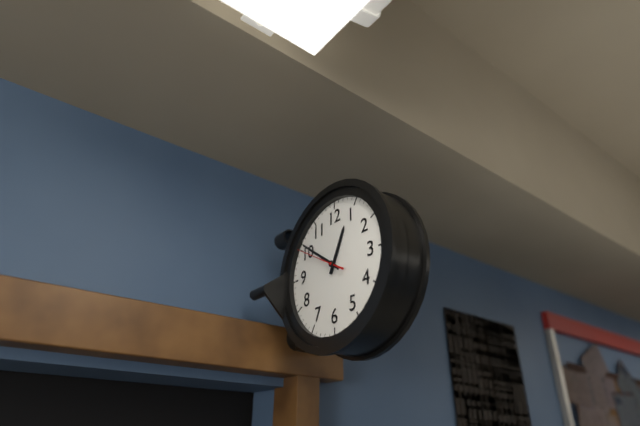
12:51
